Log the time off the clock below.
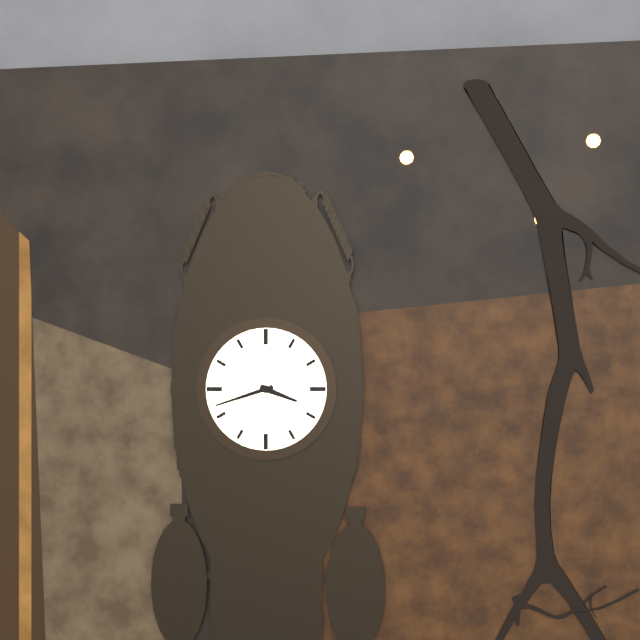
3:42
